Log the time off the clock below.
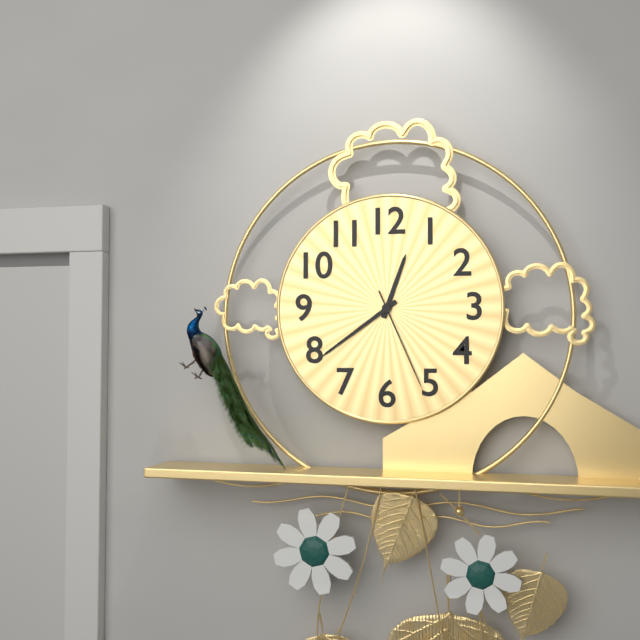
12:39:26
